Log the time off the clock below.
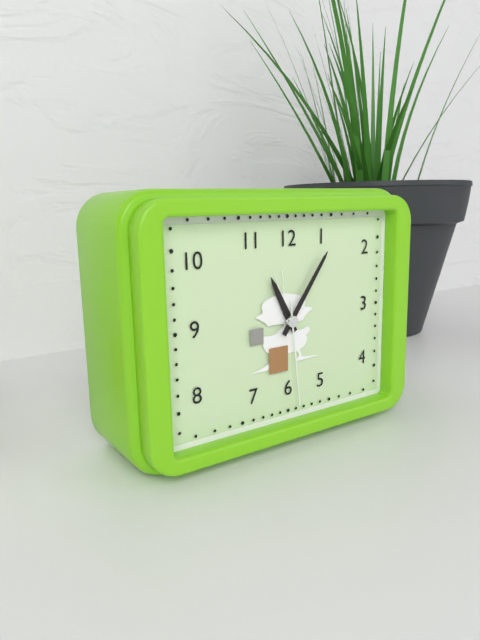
11:06:29
